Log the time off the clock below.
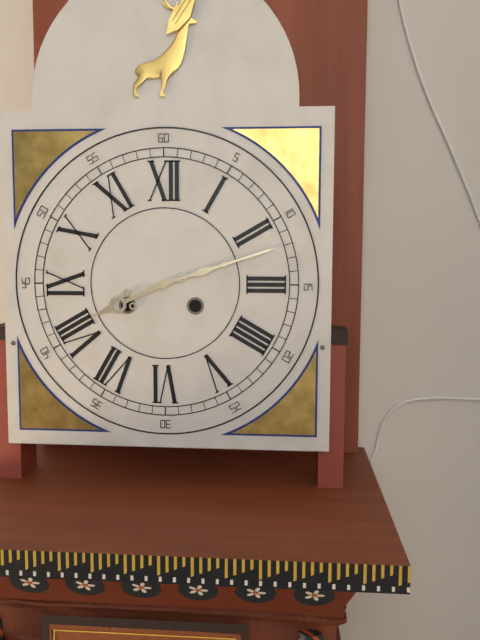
8:12
